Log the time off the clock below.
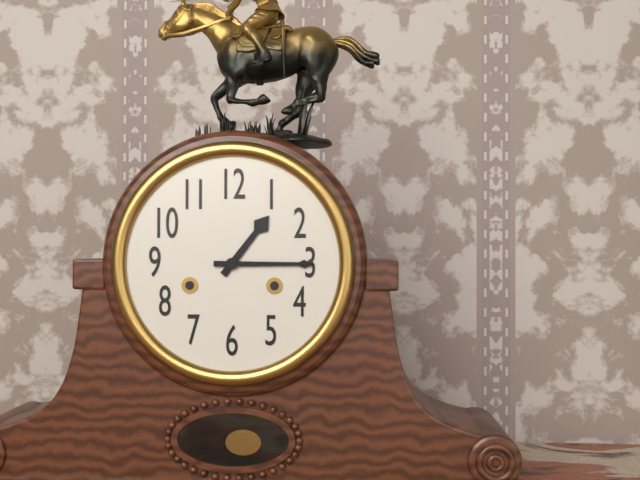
1:15
